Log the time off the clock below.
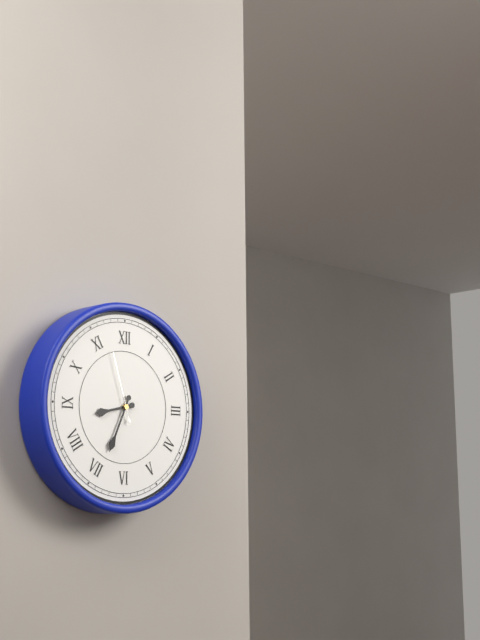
8:34:57
